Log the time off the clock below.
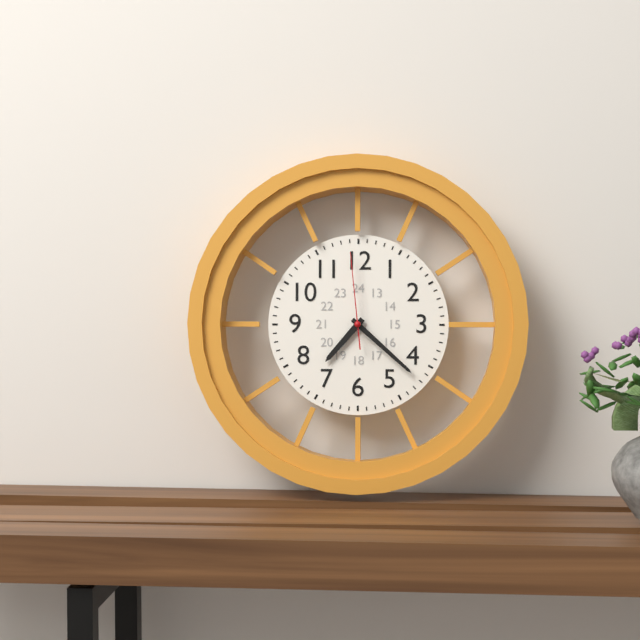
7:22:59
